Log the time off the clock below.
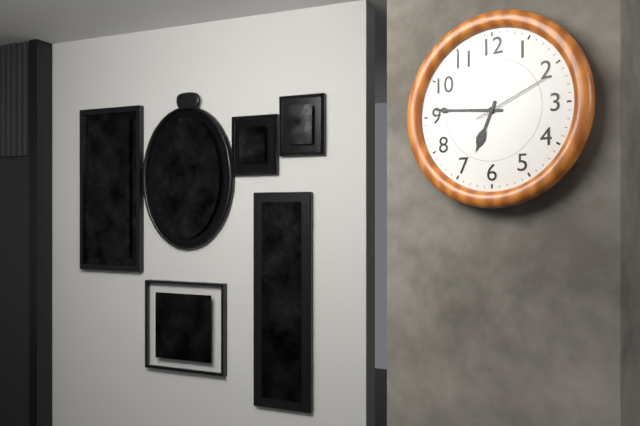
6:46:11
